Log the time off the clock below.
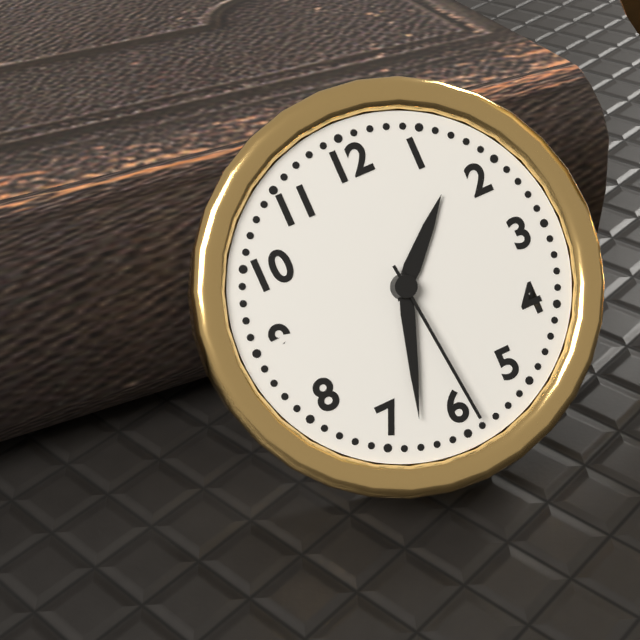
1:33:29
